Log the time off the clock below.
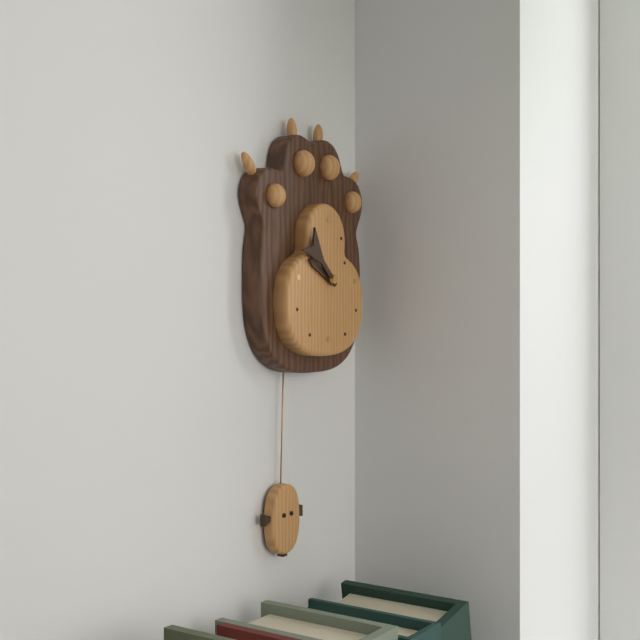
9:52
